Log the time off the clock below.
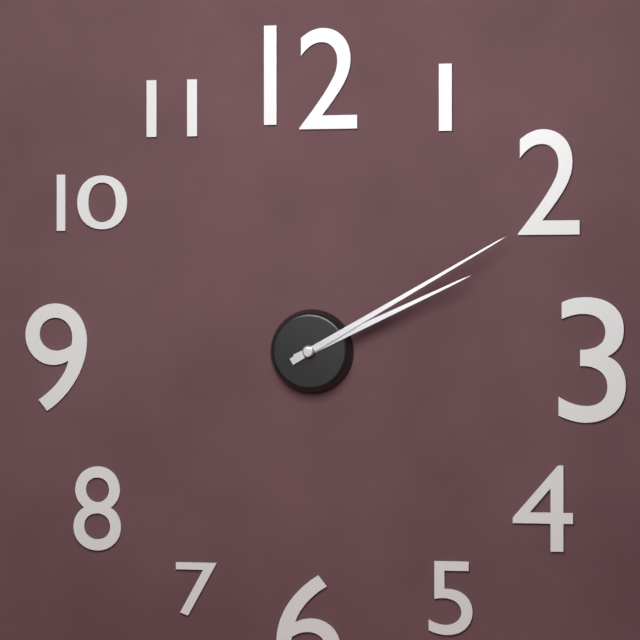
2:10
